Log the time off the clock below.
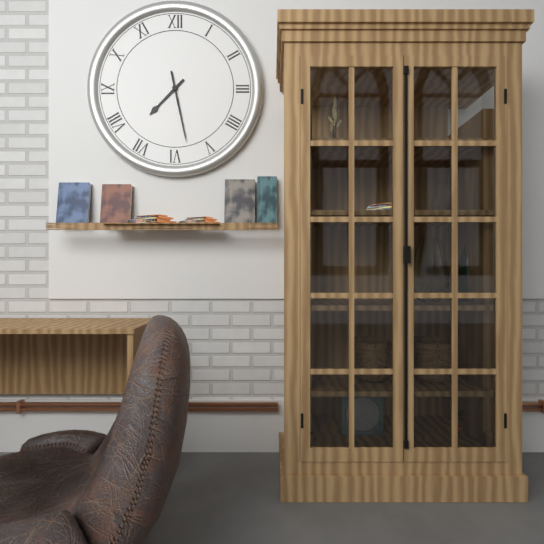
7:28
